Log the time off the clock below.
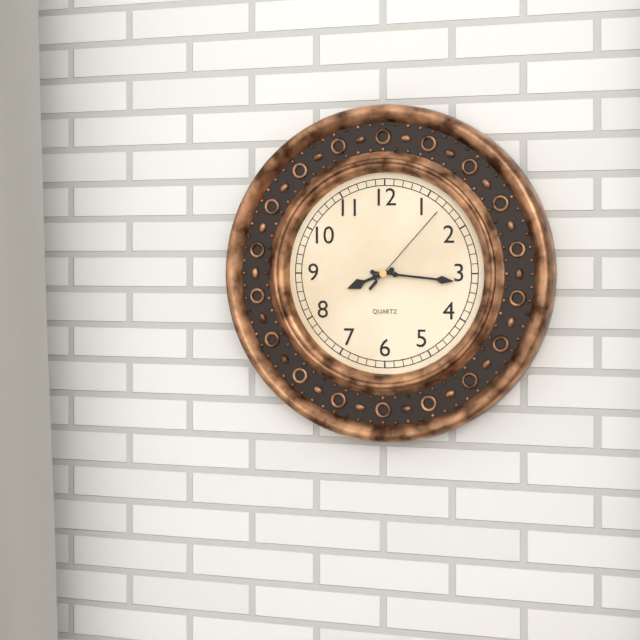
8:16:07
